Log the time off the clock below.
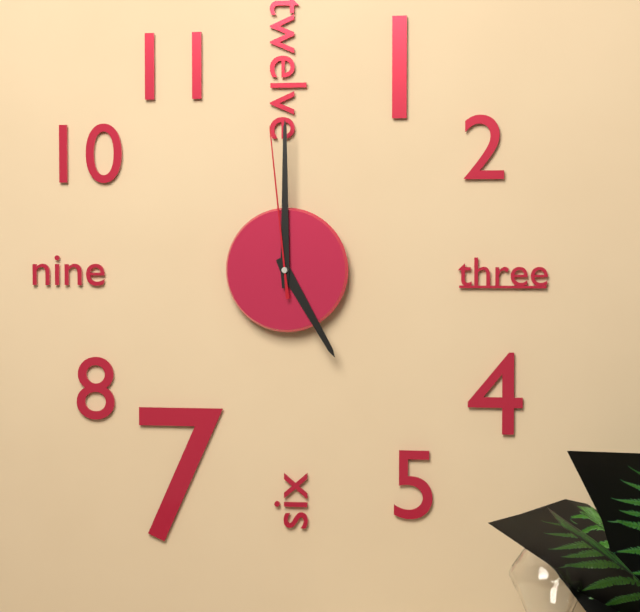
5:00:59
